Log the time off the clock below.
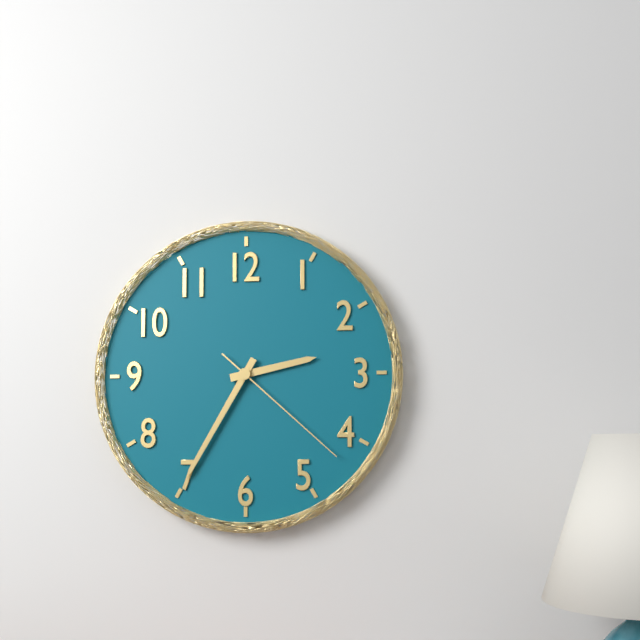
2:35:22
